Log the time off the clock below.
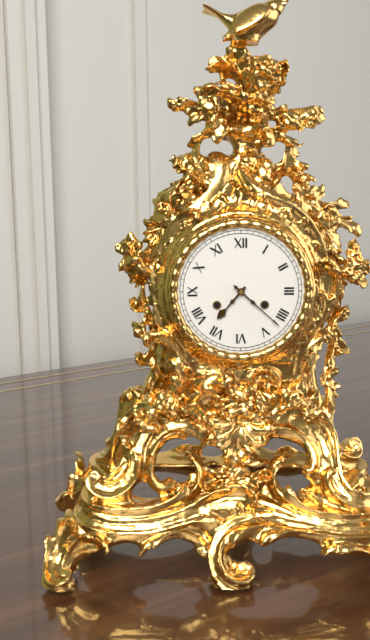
7:22
